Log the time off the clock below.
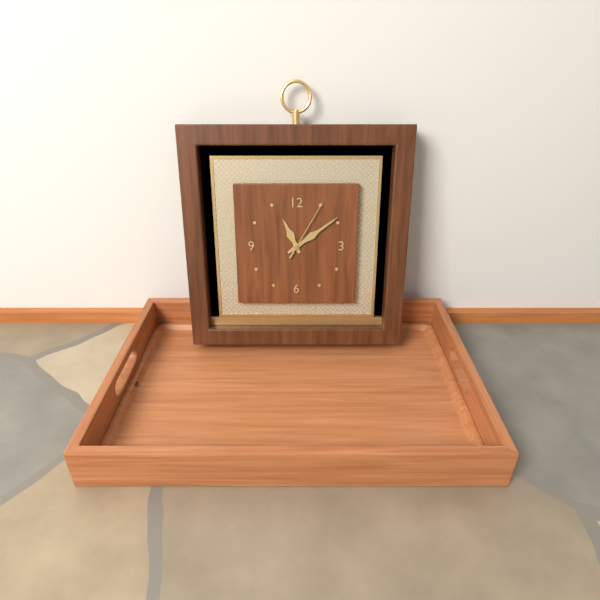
11:09:05
